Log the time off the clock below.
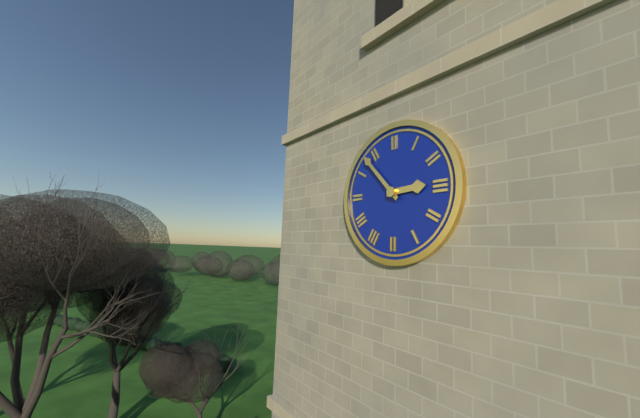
2:53
